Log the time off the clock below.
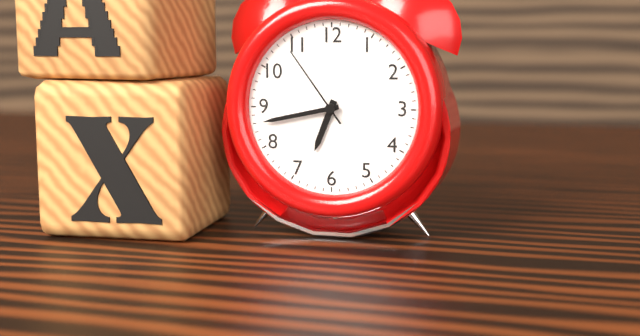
6:43:54
